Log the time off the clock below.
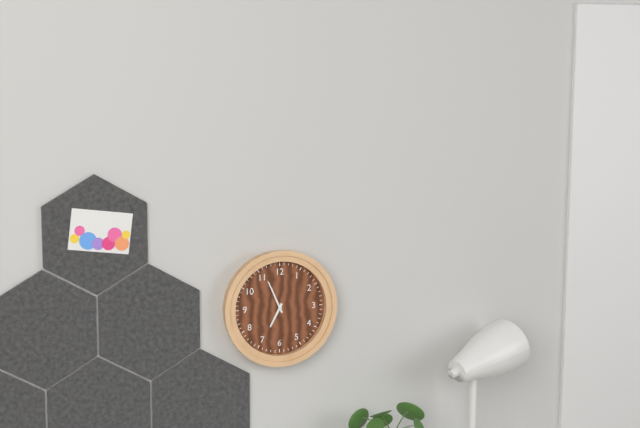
6:56
